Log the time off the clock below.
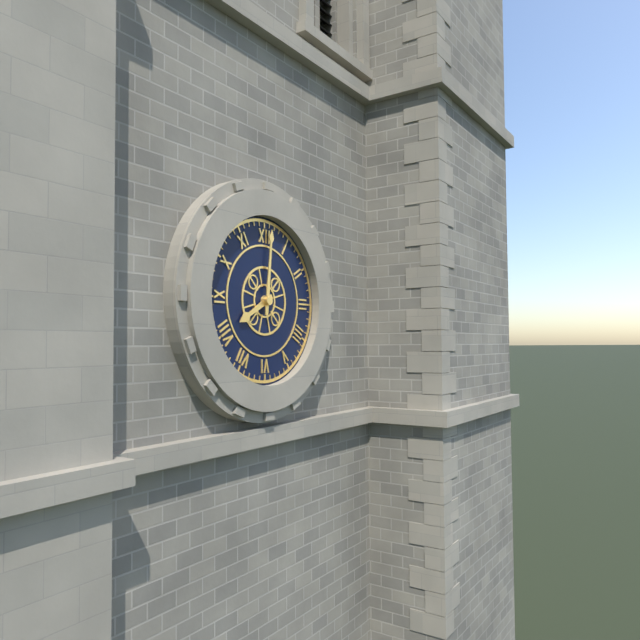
8:01
